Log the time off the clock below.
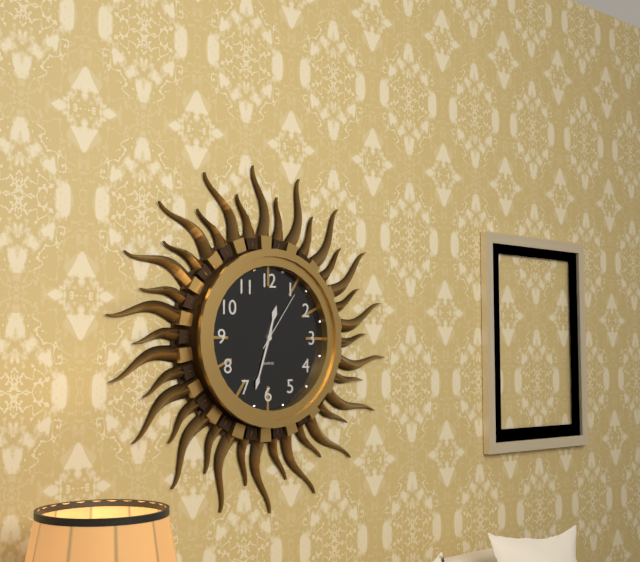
12:33:06
